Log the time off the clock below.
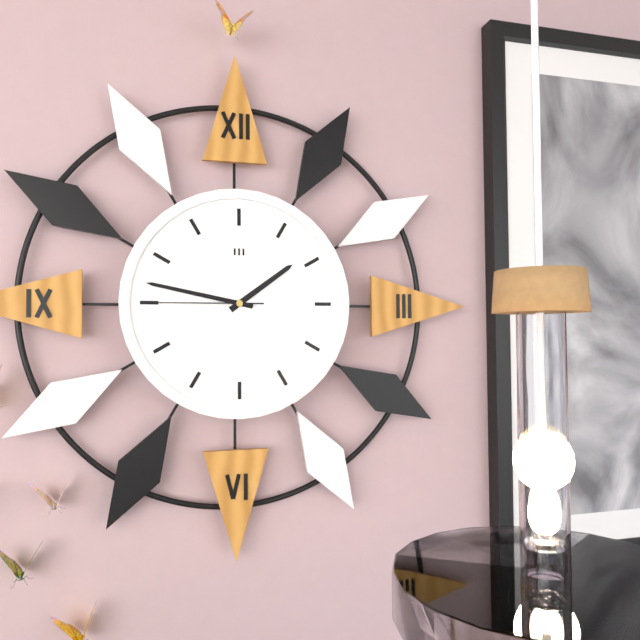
1:47:45
